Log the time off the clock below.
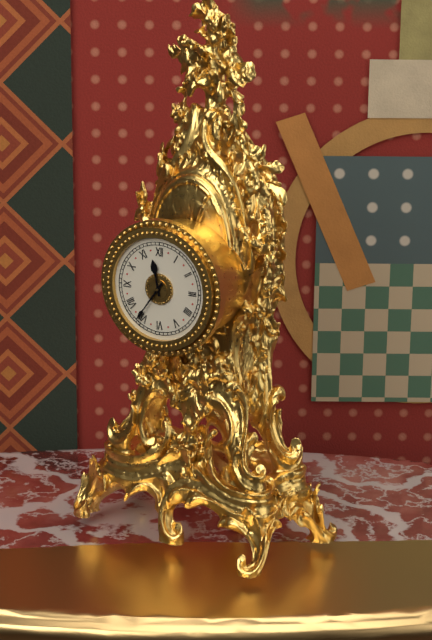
11:36
